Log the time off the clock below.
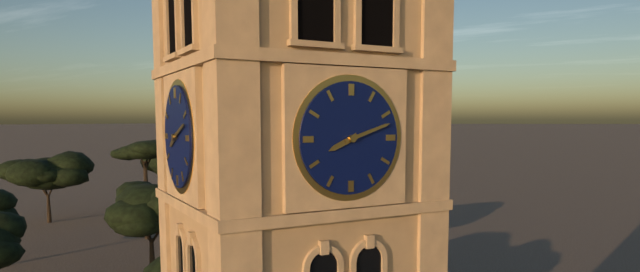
8:12
